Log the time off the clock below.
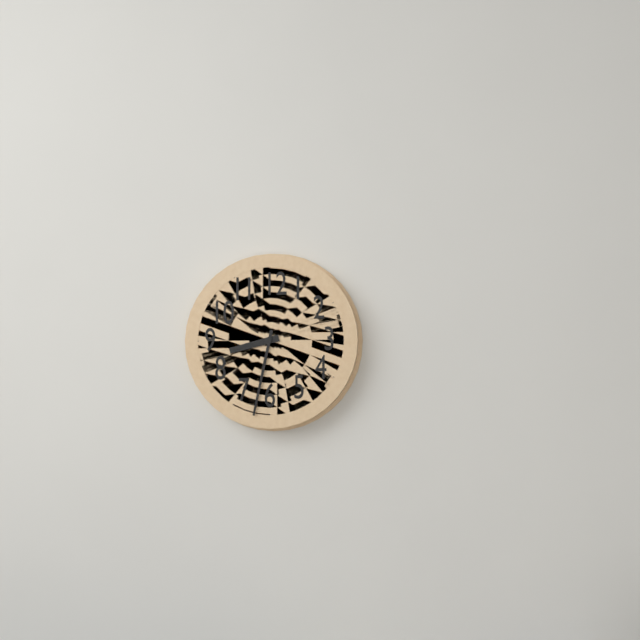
8:32
